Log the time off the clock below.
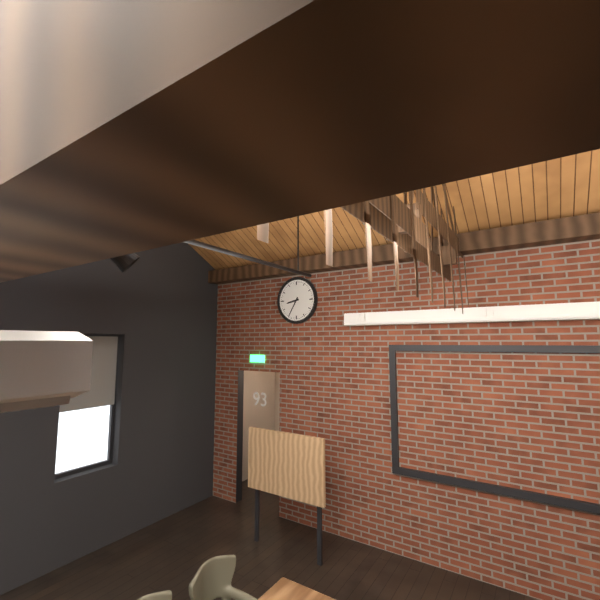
8:35
